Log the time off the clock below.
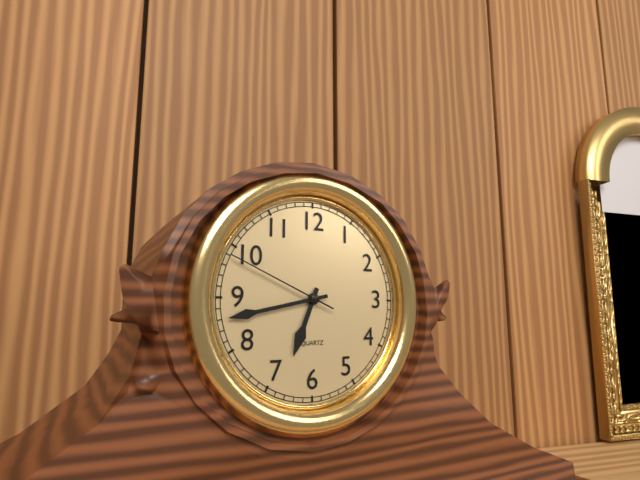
6:43:49
